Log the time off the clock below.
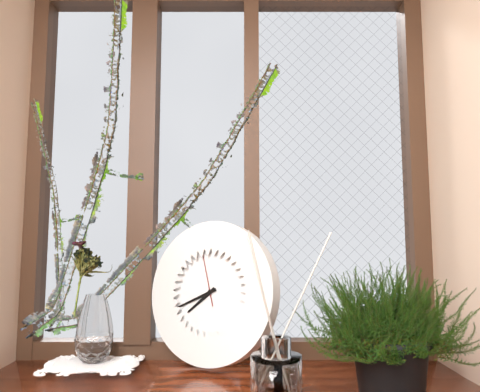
7:41
